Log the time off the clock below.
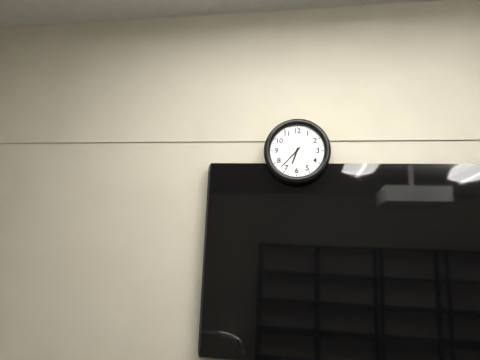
6:37
